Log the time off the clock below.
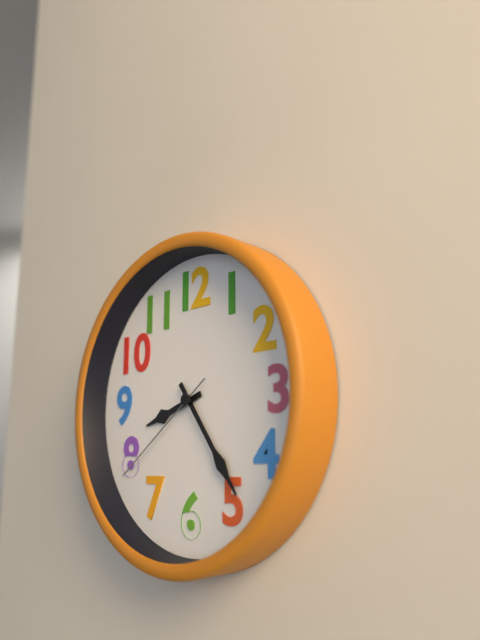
8:24:39
